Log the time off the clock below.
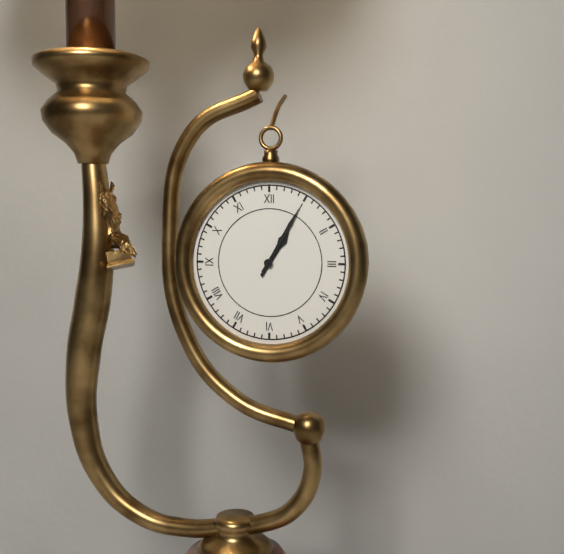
1:05
